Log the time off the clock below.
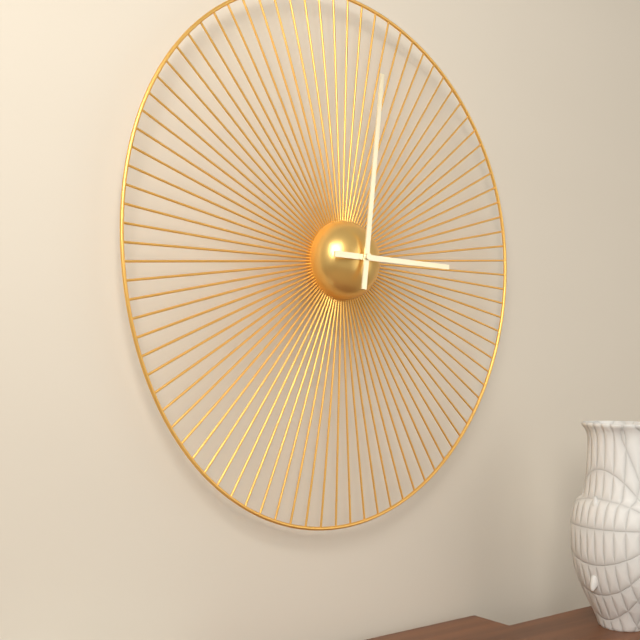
3:01
